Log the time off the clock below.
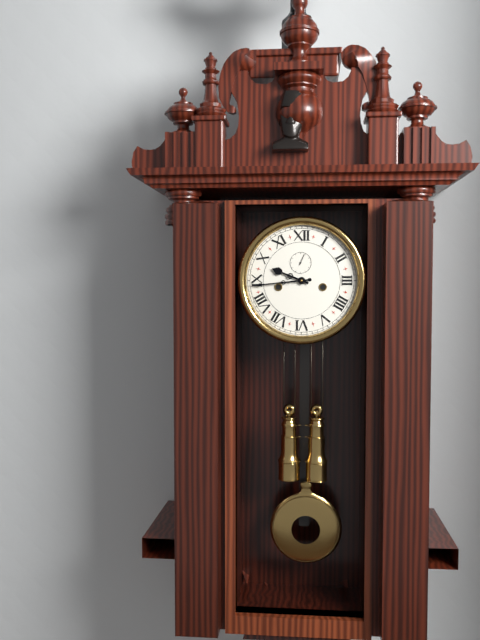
9:44
